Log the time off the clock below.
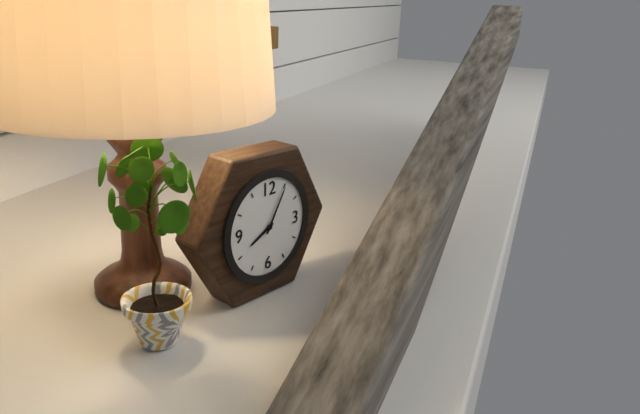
8:05
